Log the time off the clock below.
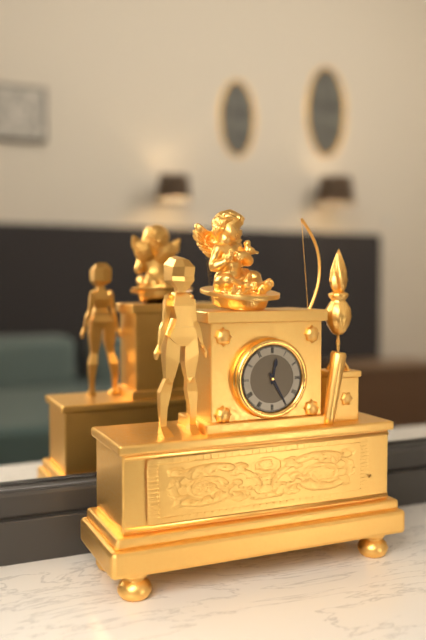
12:25
